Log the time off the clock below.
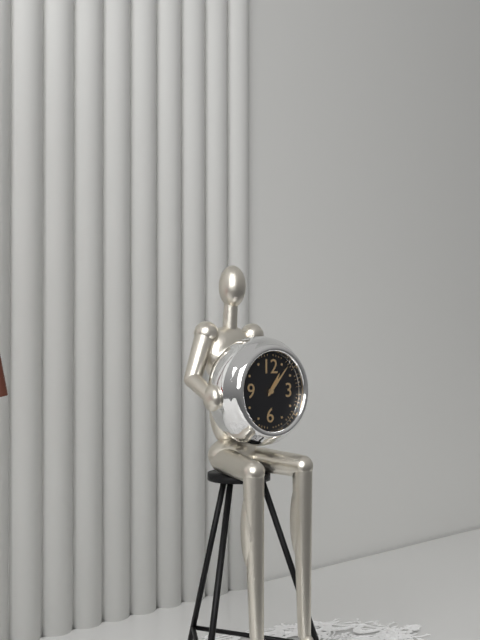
1:07
